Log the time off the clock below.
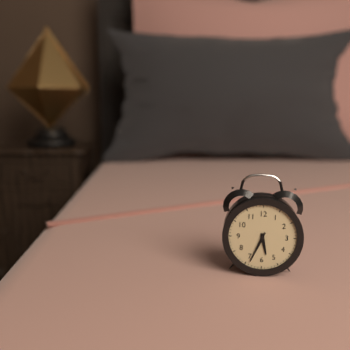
5:34
